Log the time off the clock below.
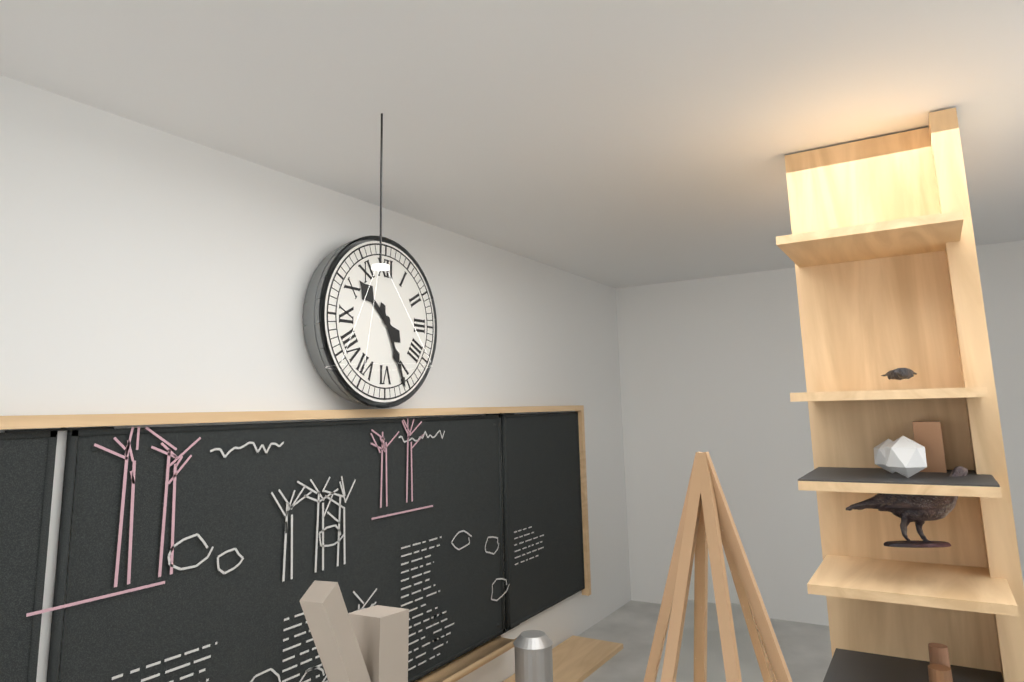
10:26
